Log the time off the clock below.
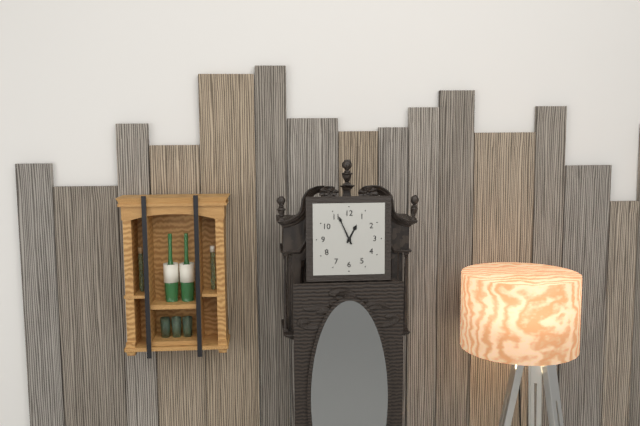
12:56
